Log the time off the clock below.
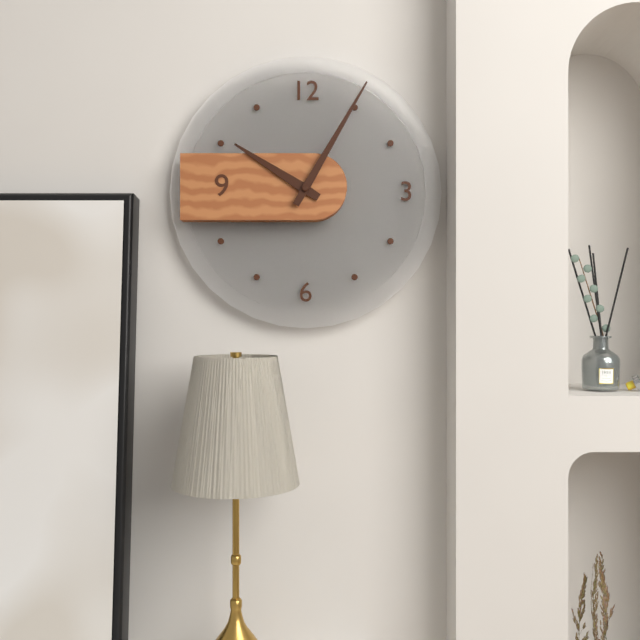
10:05
